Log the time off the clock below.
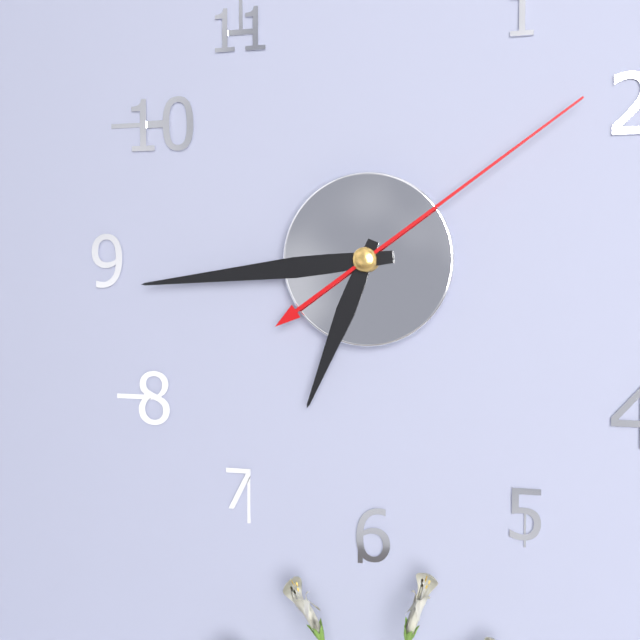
6:44:09
